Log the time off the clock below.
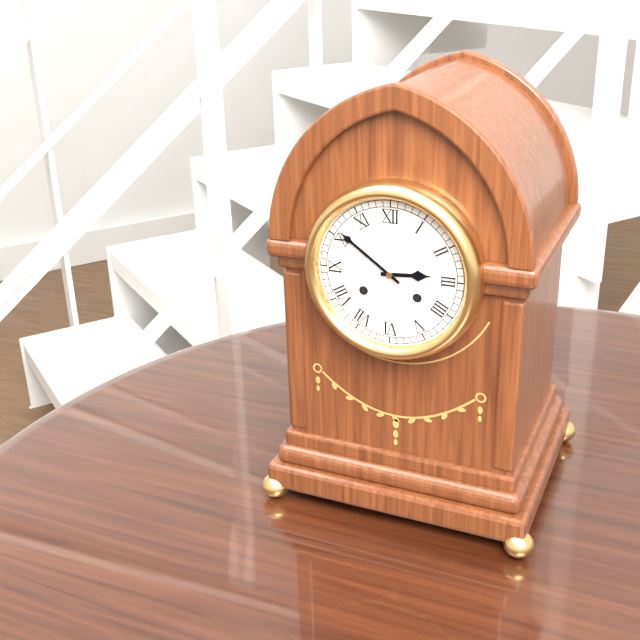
2:51
